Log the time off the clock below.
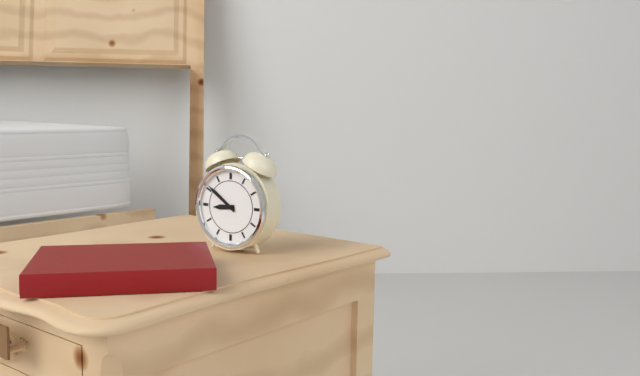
8:51
